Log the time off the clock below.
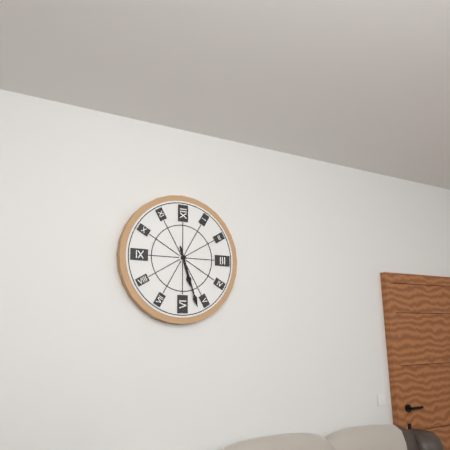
5:27
